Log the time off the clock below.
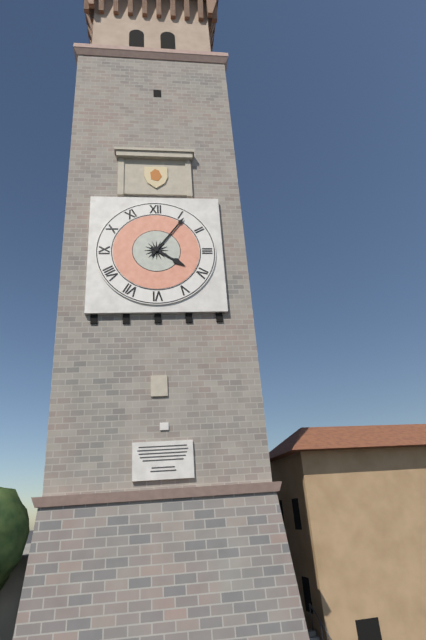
4:06
